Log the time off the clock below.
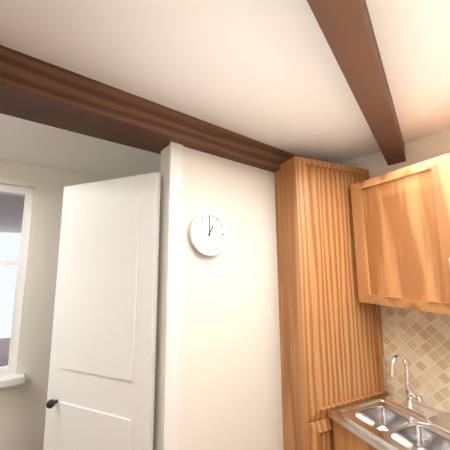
1:00
